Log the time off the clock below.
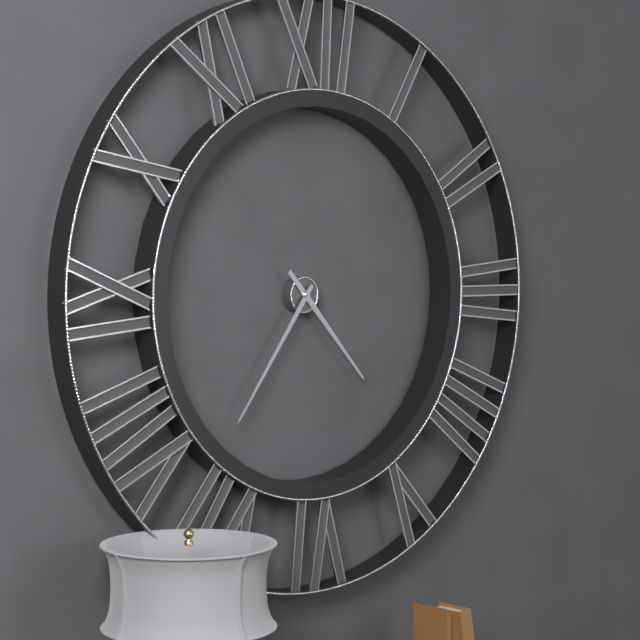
4:36
